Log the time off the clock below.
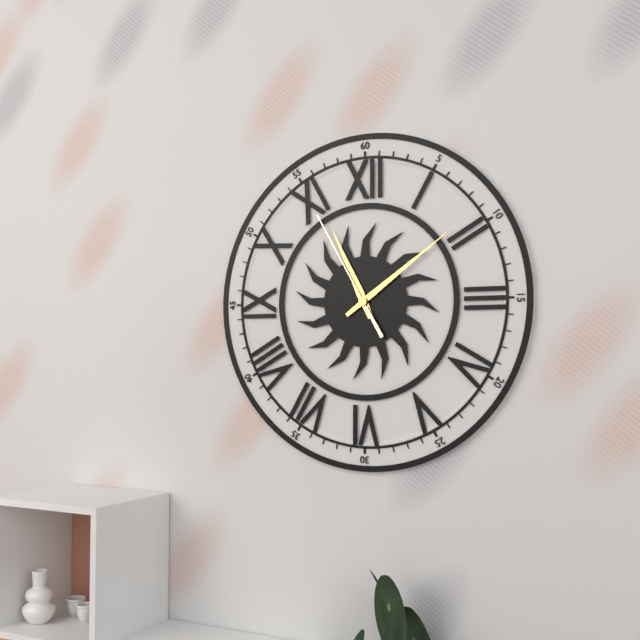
11:09:55
